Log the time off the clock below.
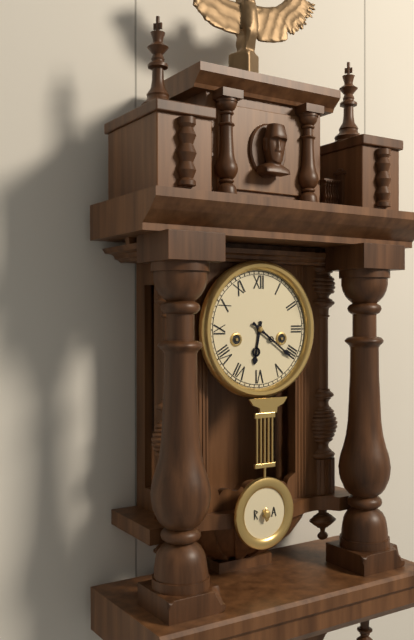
6:21
